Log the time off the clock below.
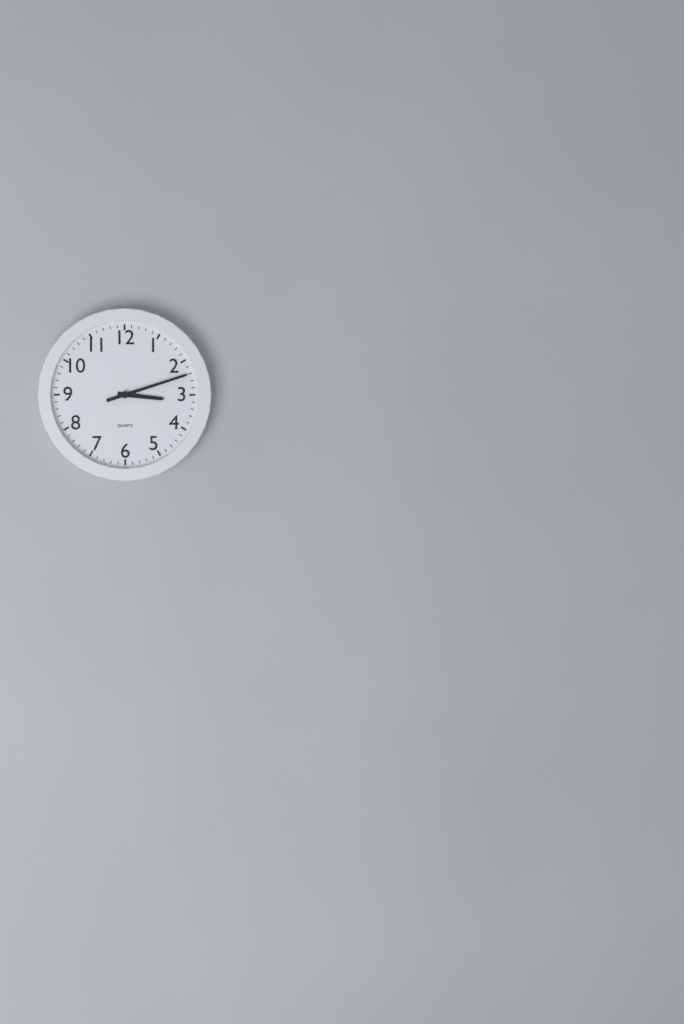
3:12
